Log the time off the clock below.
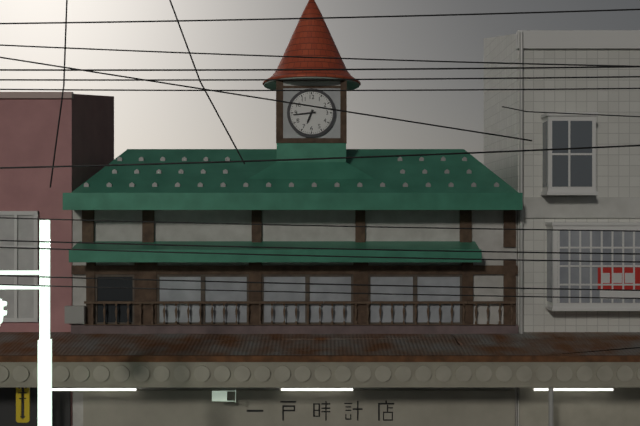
6:44
